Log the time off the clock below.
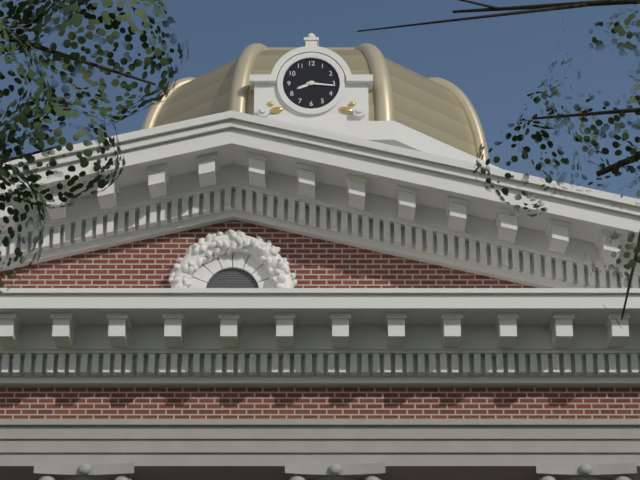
8:16
